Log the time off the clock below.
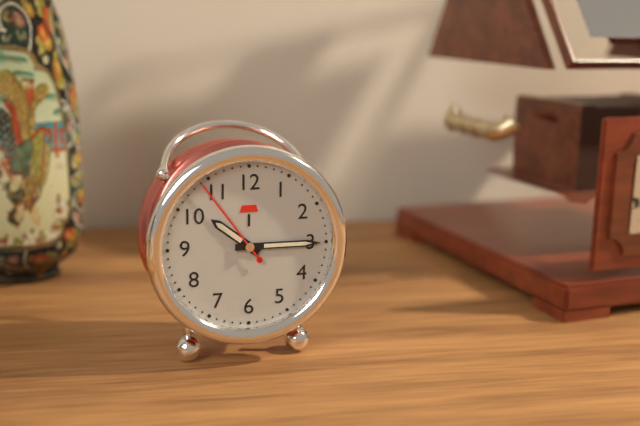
10:15:54
